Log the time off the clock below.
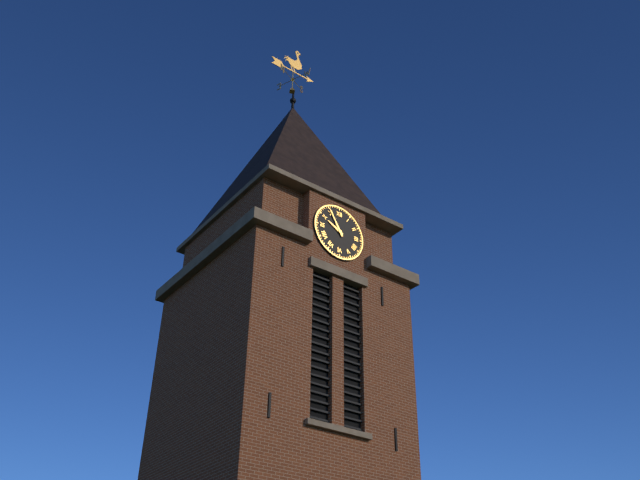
9:55
